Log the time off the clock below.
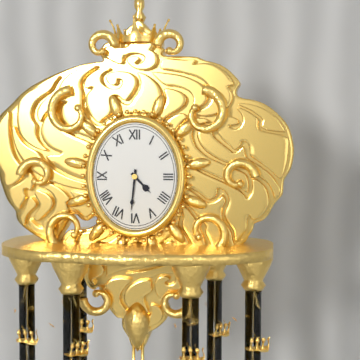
4:31
